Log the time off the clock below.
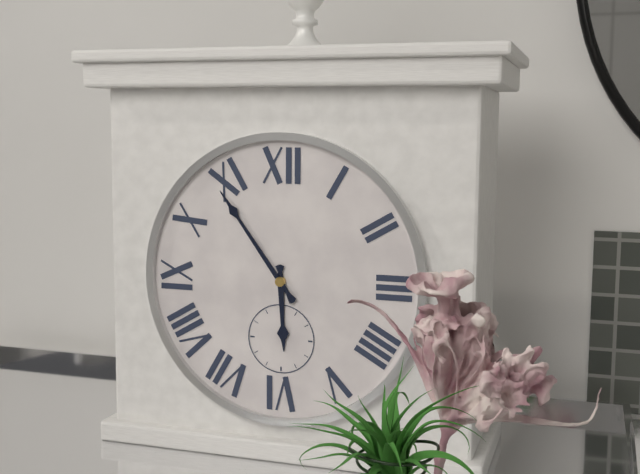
5:54
